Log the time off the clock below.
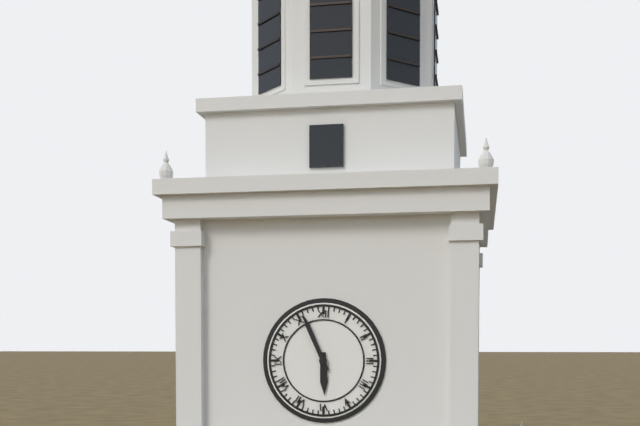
5:56
